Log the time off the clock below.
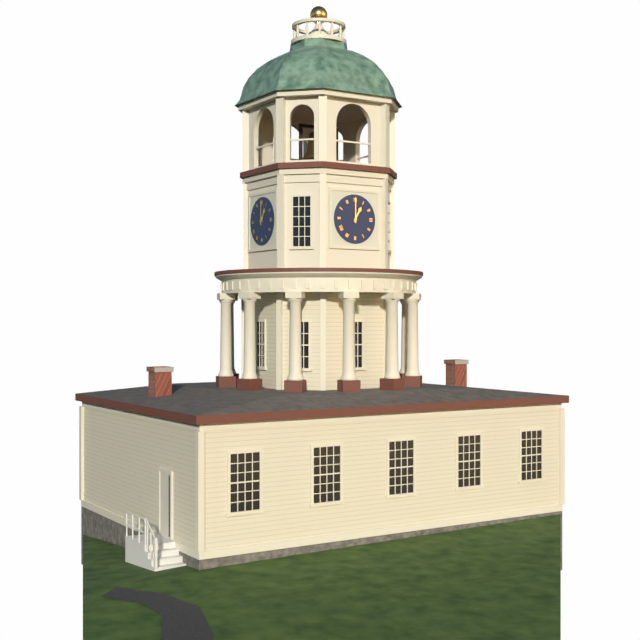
1:00
